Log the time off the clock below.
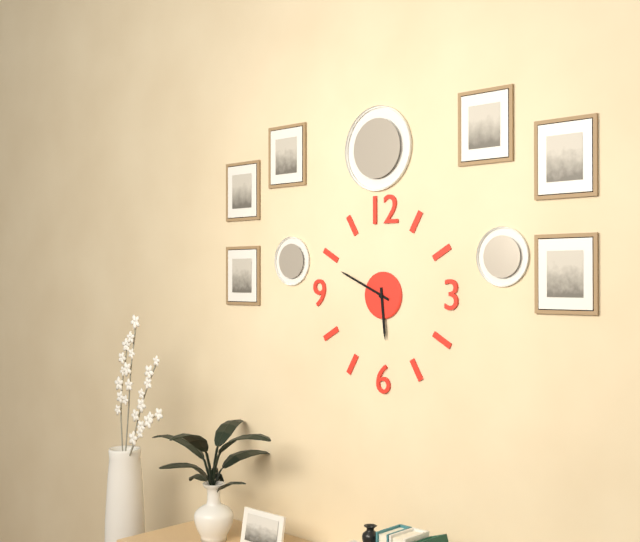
5:49
